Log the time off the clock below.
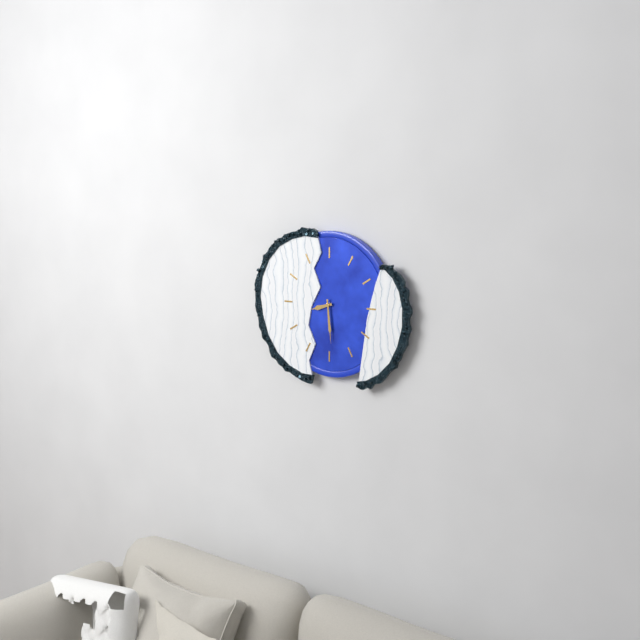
8:29
